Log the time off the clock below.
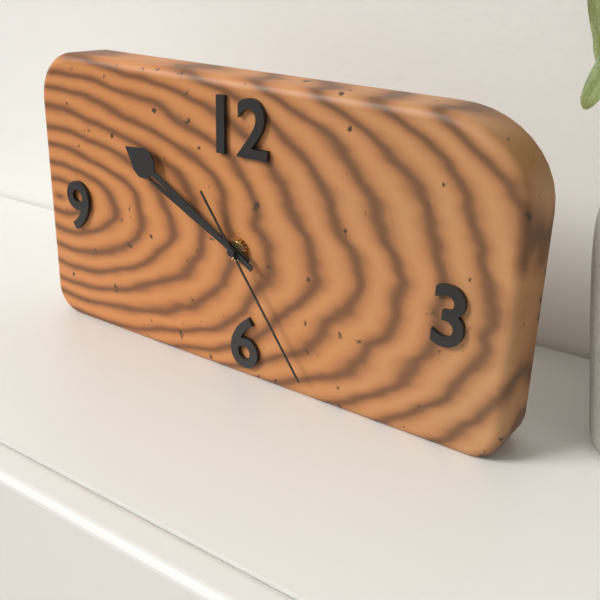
9:50:24
